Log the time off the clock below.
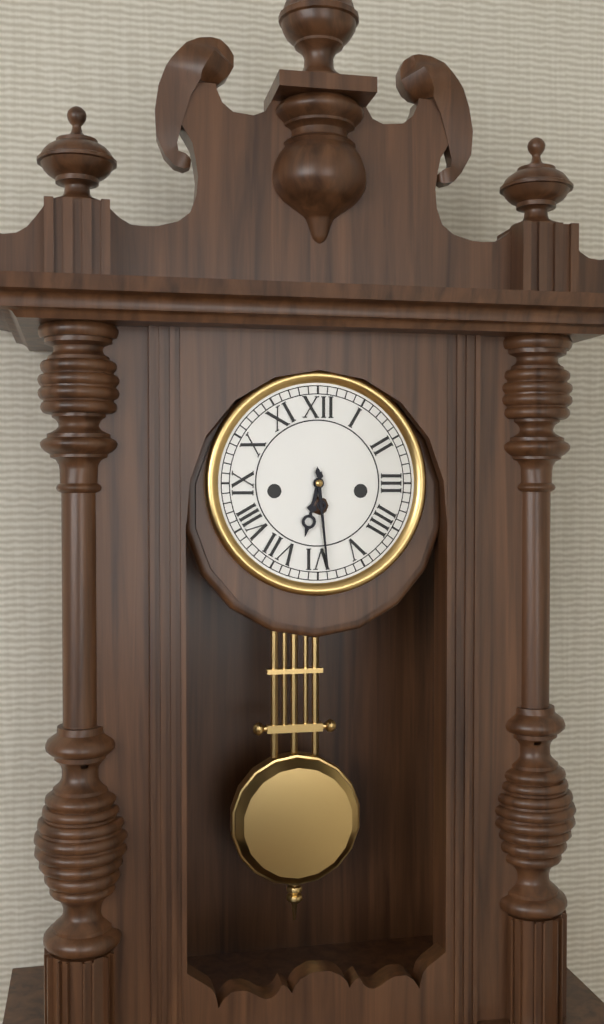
6:29
